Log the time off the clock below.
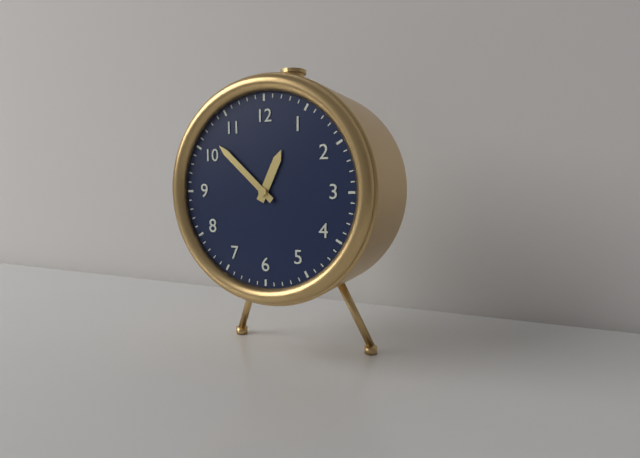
12:52
